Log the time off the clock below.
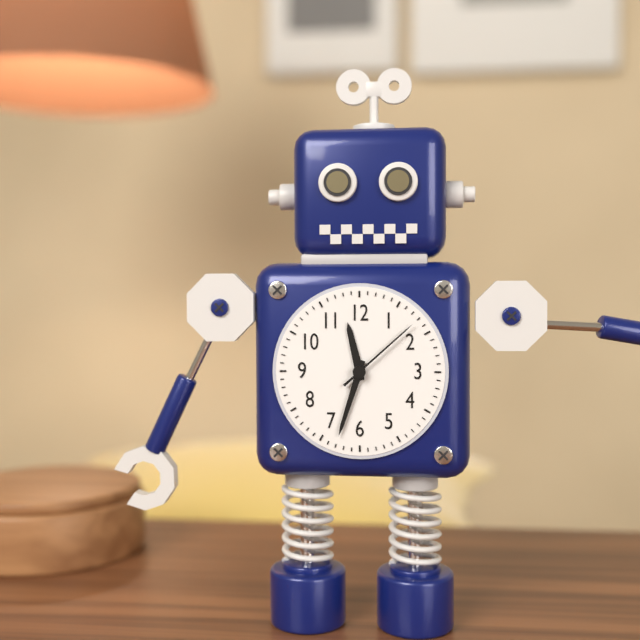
11:33:08
